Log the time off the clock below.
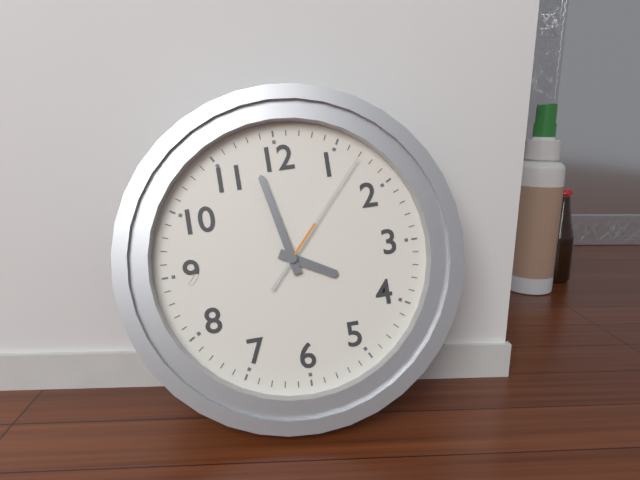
3:58:07
